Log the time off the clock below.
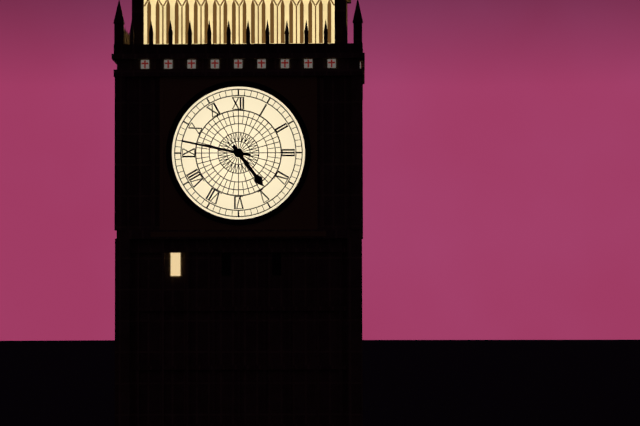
4:47
